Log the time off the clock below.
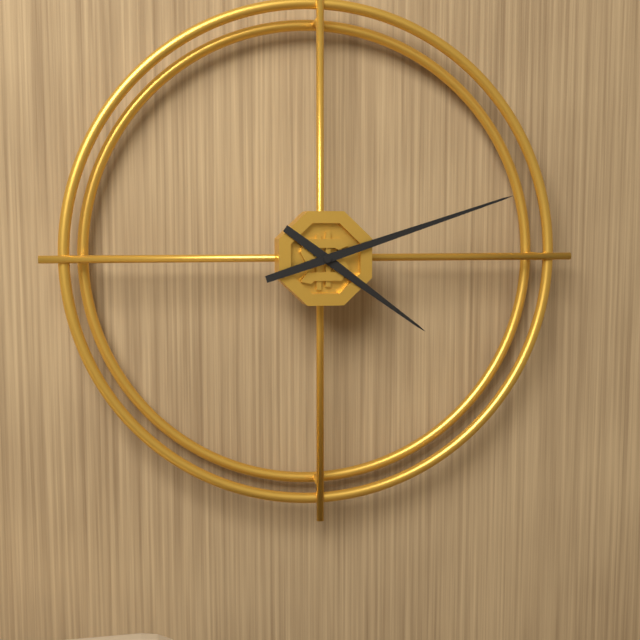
4:12
